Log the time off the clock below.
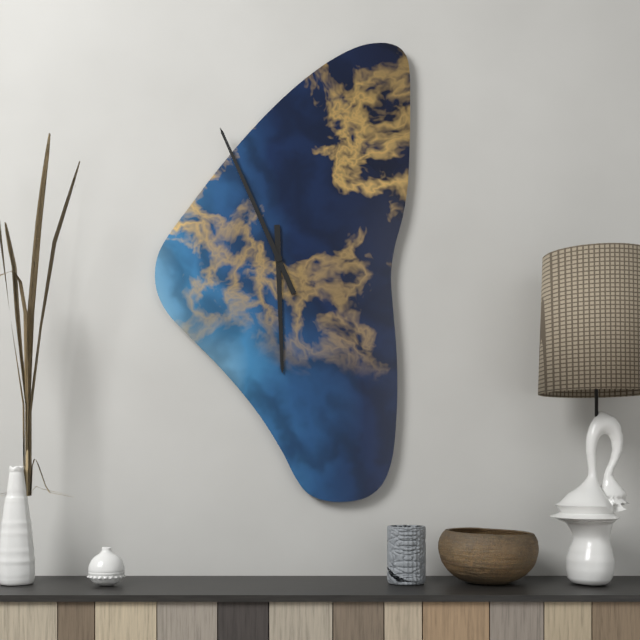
5:56
